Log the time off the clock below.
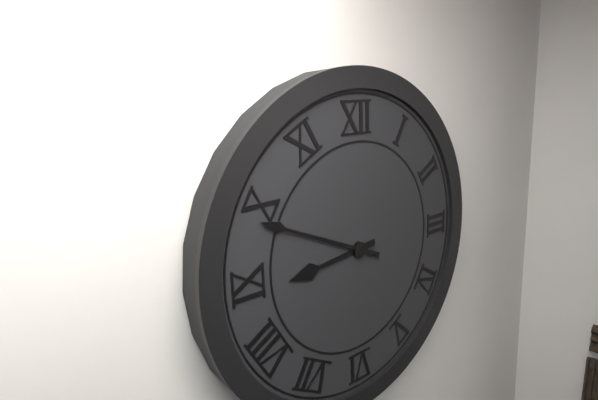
8:49
